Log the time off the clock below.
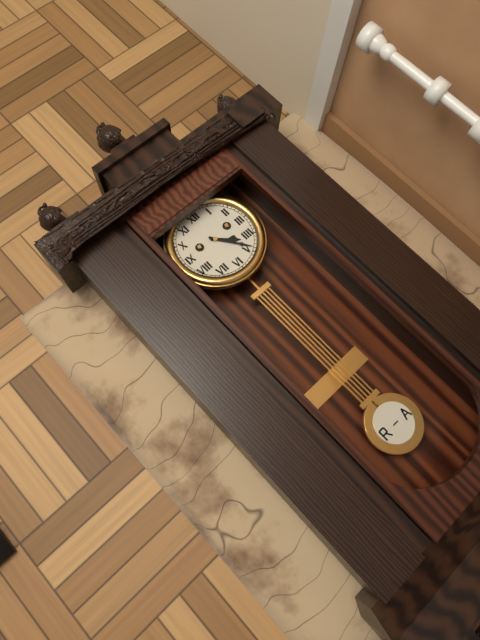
4:24
